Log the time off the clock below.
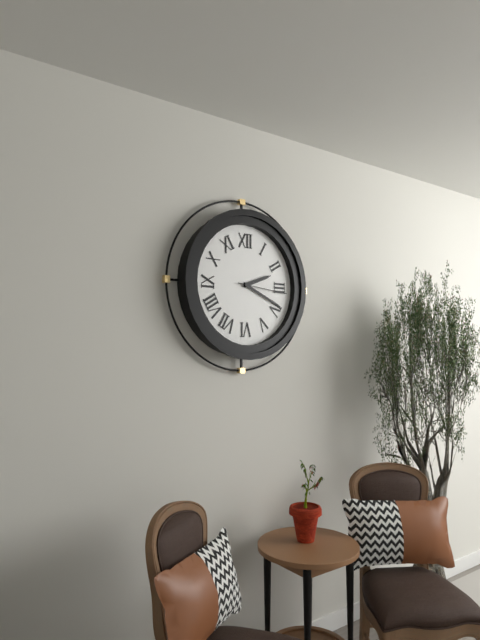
2:19:16
